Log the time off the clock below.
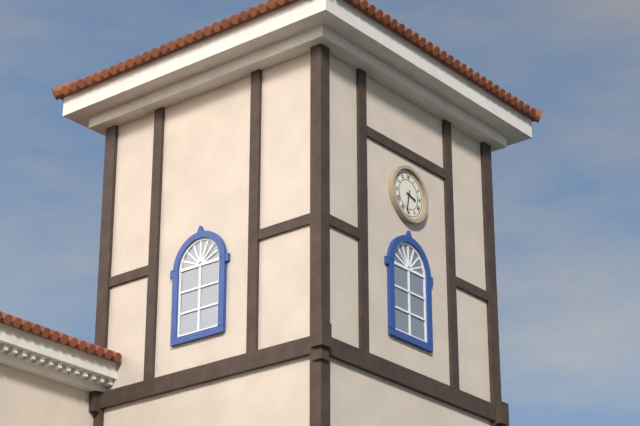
3:32
